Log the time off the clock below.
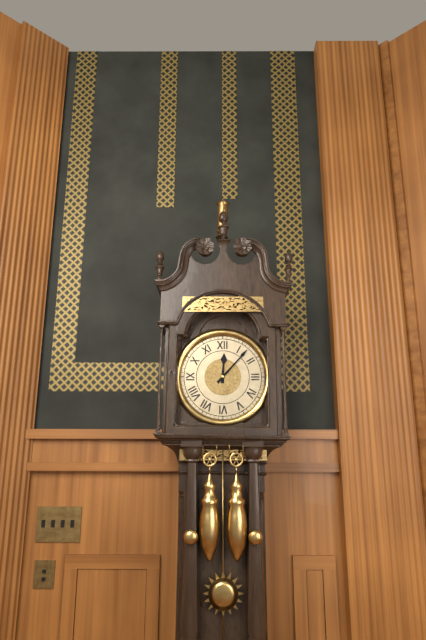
12:07
